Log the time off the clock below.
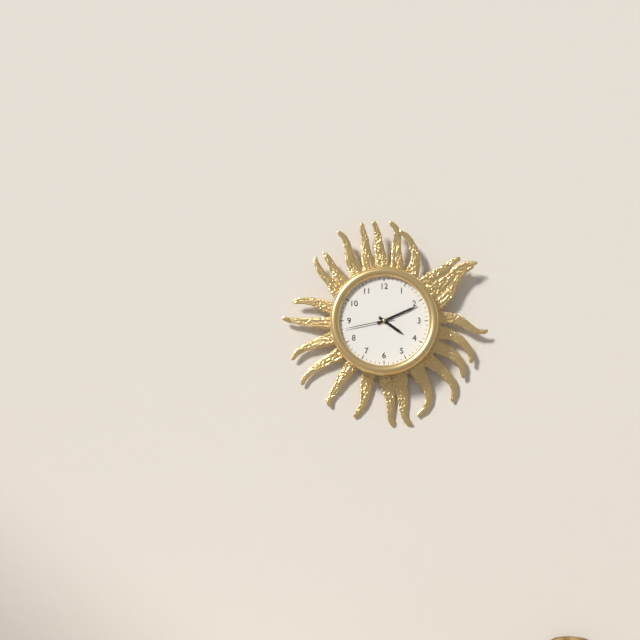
4:11:43
